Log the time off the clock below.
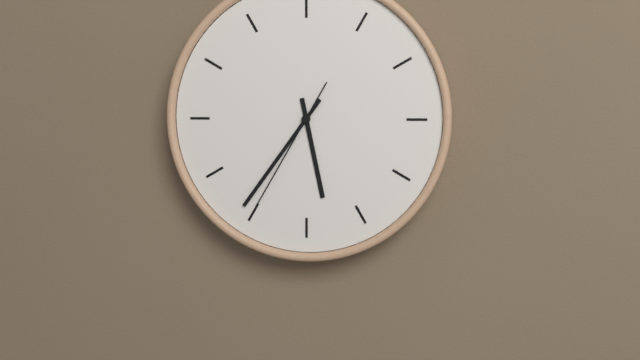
5:36:35
